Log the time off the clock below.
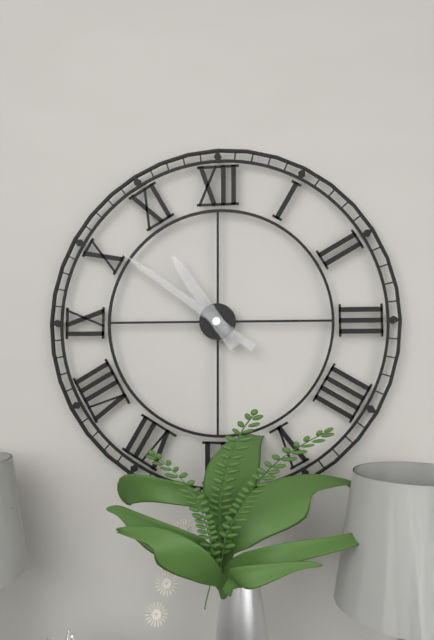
10:51
